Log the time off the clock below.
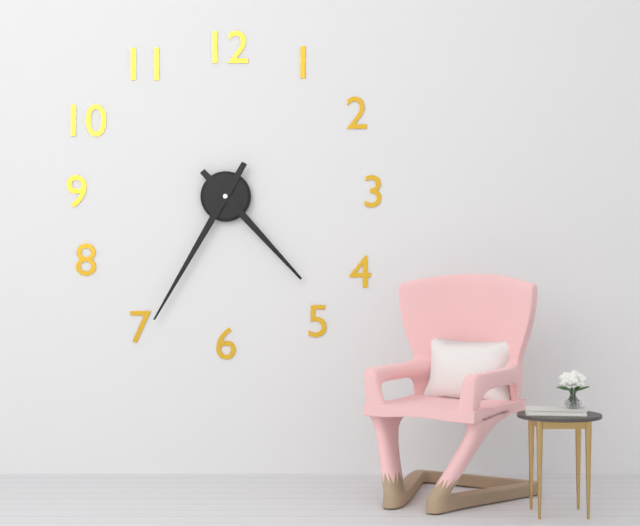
4:35
